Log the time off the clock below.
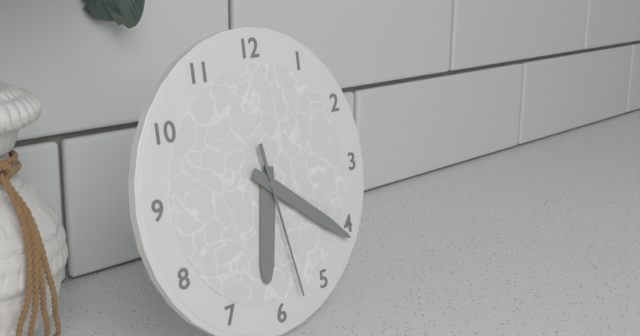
6:21:28
